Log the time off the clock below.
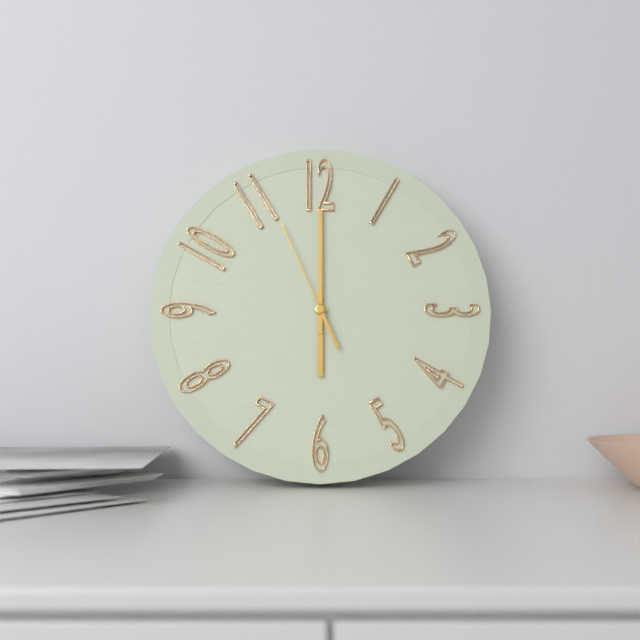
6:00:56
